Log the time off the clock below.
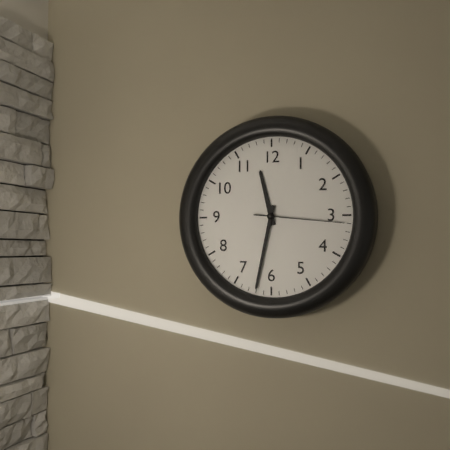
11:32:16
